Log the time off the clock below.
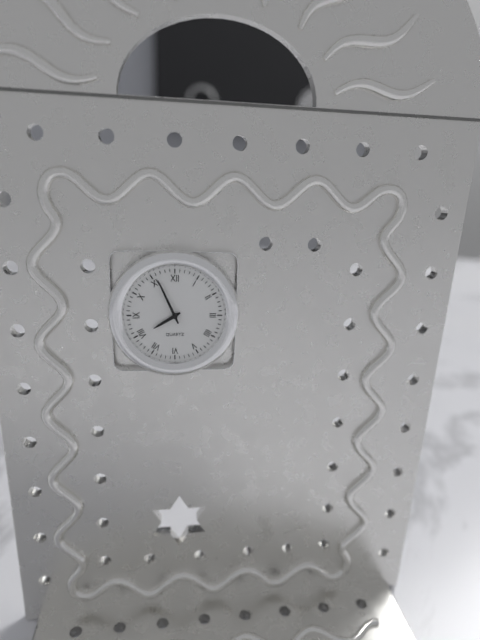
7:56
